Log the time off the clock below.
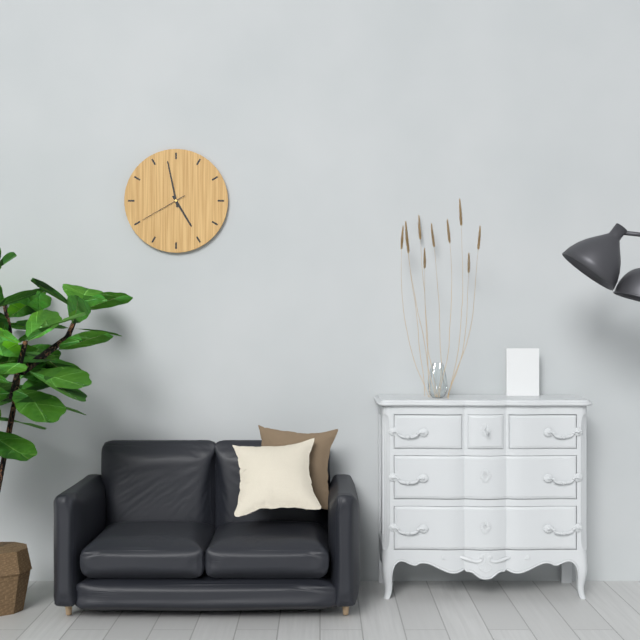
4:58
